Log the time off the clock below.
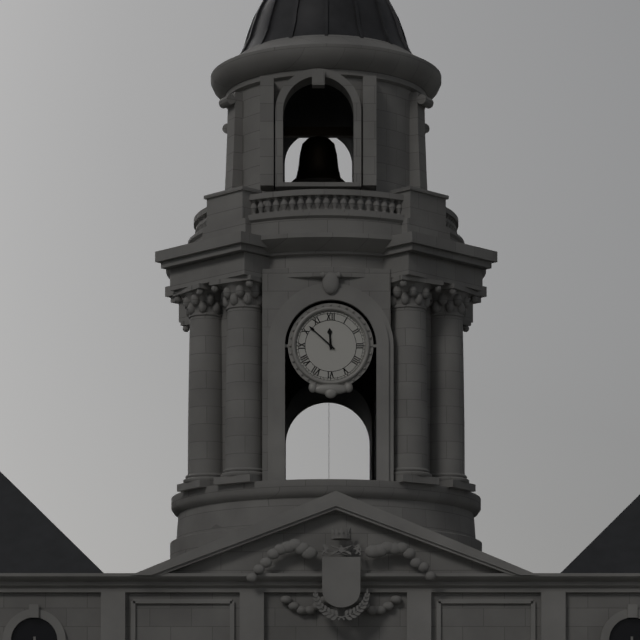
11:52
